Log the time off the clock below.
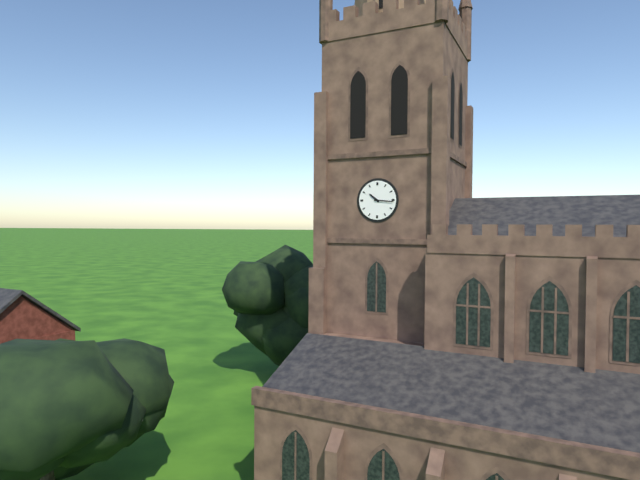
10:16
